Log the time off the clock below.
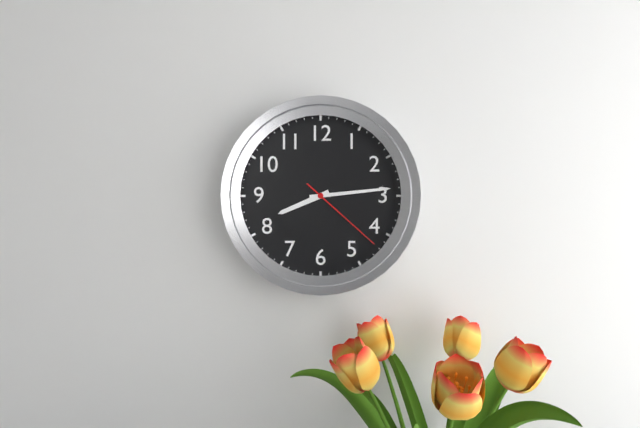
8:14:22
